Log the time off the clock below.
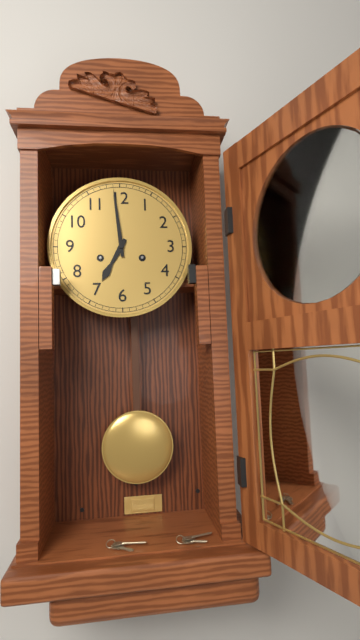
6:59
